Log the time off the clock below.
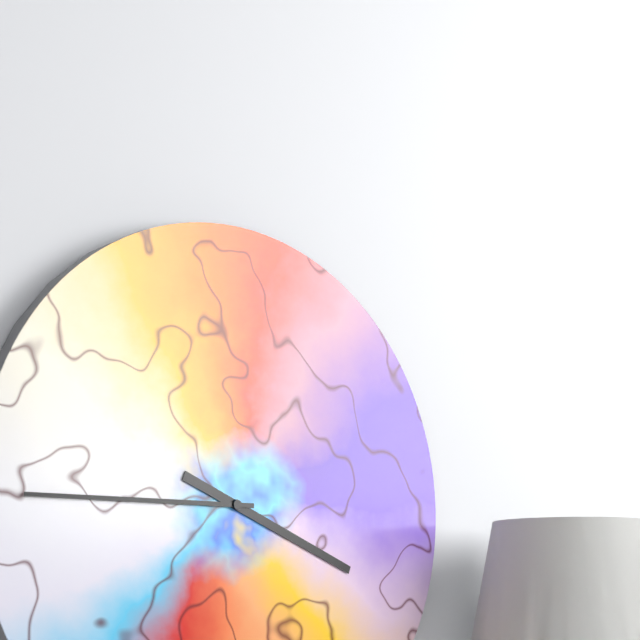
3:45
